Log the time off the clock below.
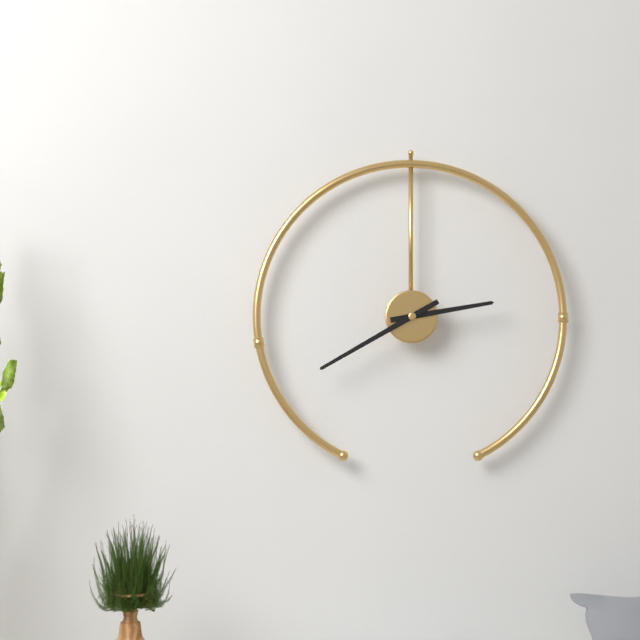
2:40
